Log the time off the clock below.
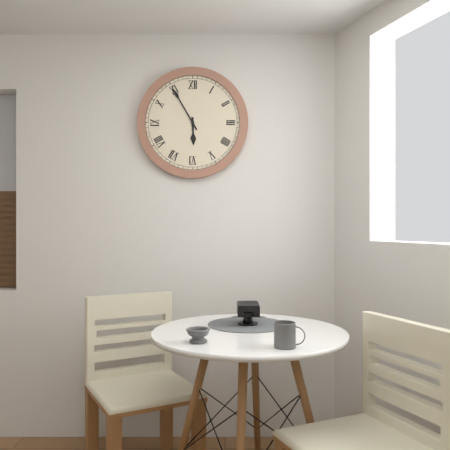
5:55
